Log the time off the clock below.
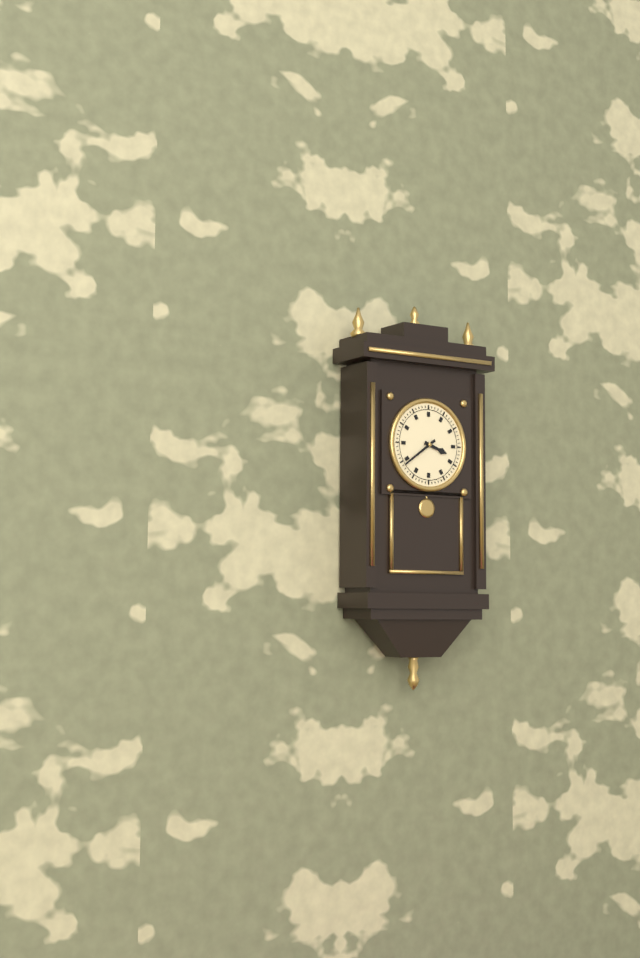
3:39
